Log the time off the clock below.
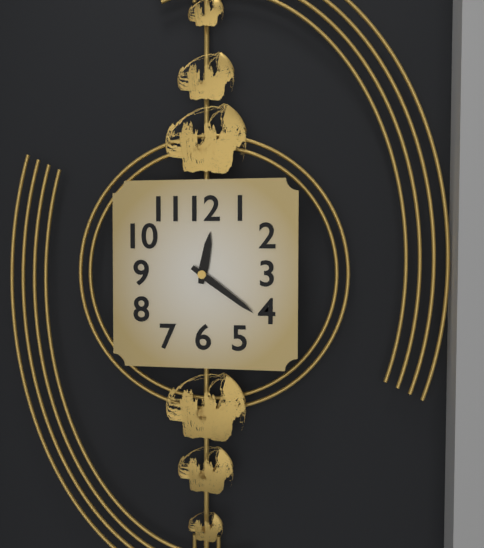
12:21
